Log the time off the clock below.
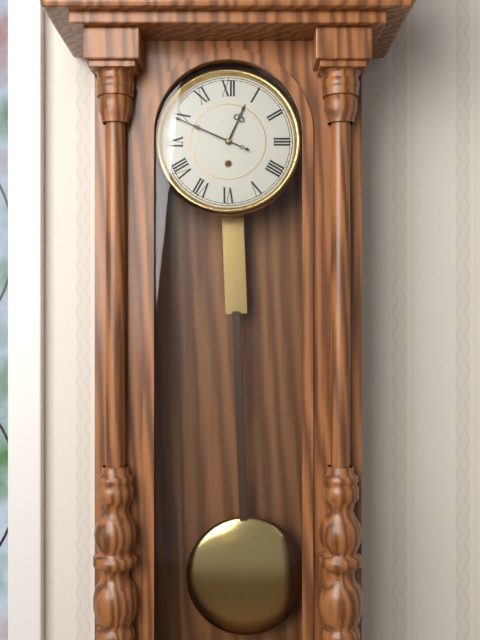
12:49
